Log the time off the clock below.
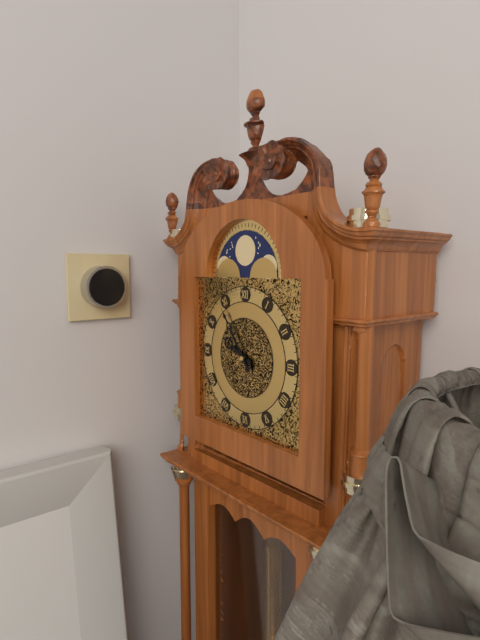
9:54
